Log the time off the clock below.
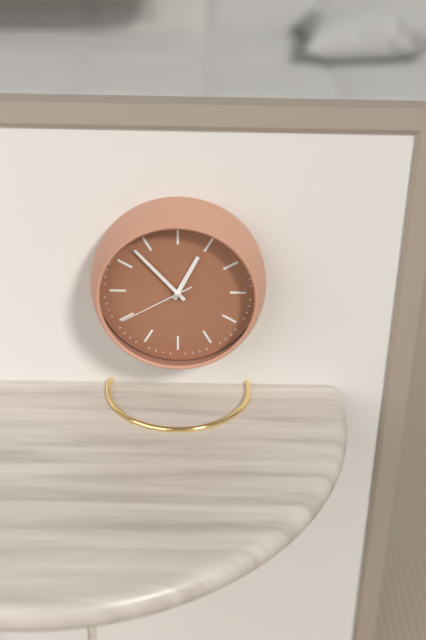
12:53:40
